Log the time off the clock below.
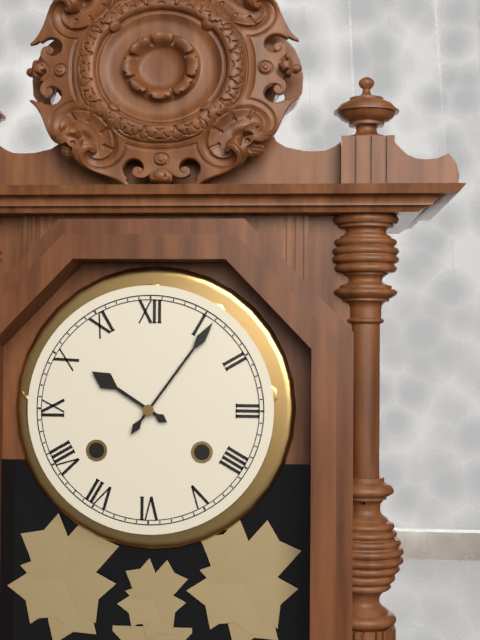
10:06
